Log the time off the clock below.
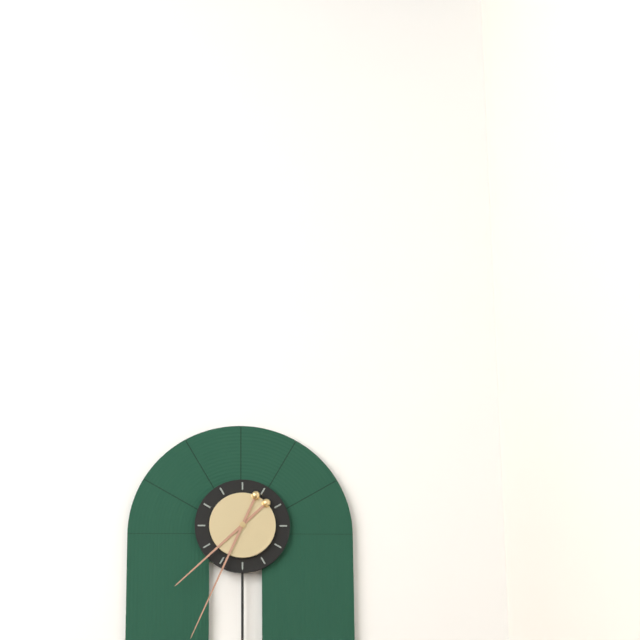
7:34
